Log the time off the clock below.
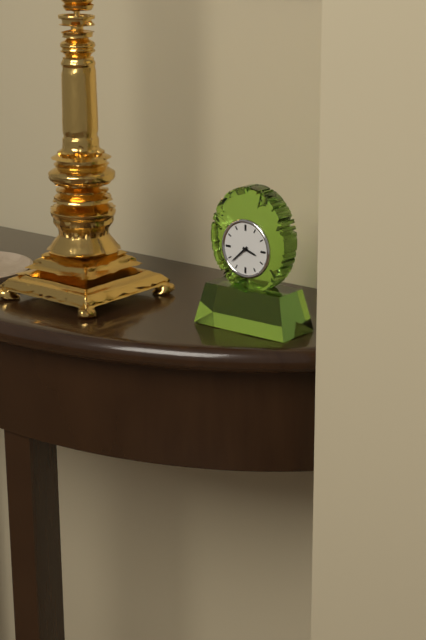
3:38
